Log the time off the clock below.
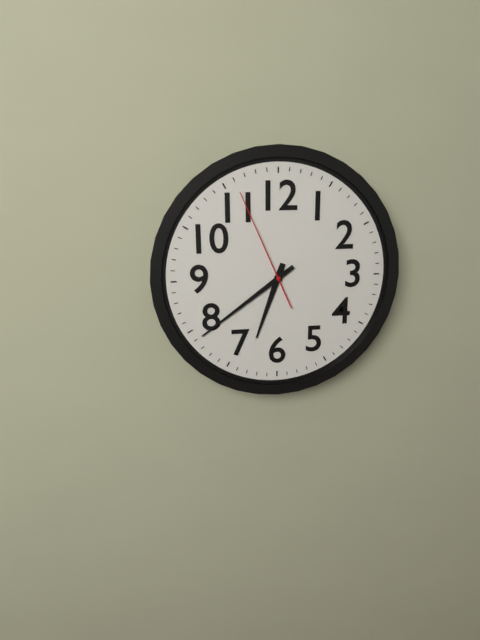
6:39:56
